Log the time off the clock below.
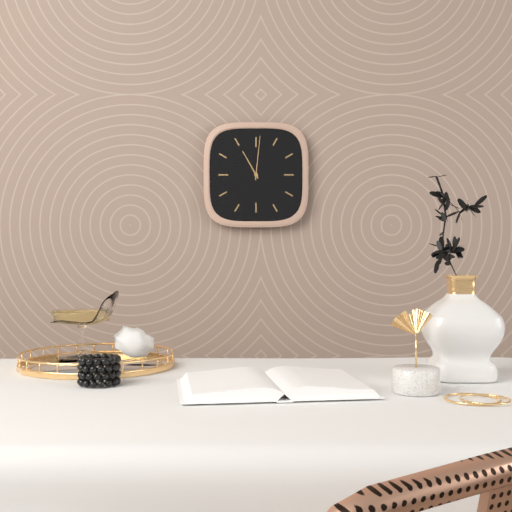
11:01
